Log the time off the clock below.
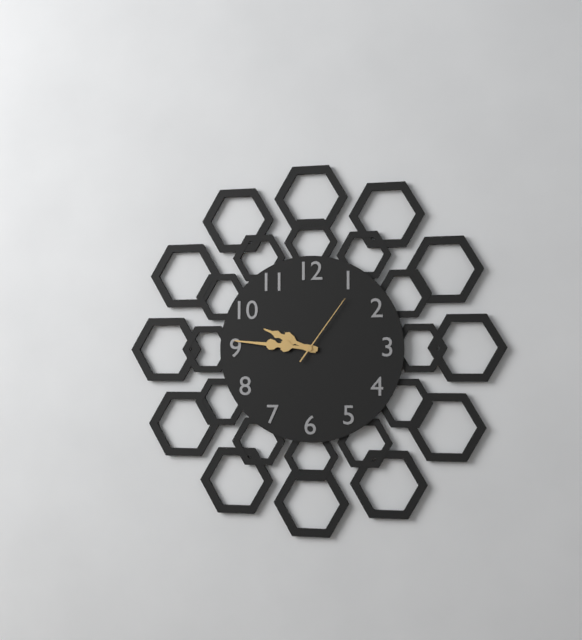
9:46:06
